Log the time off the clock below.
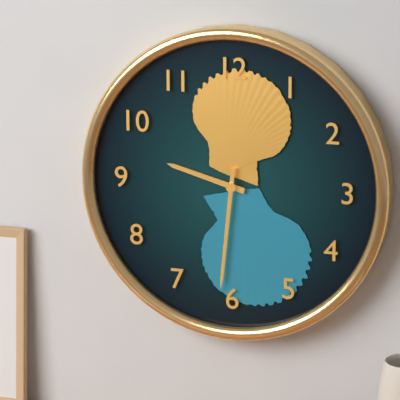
9:31
